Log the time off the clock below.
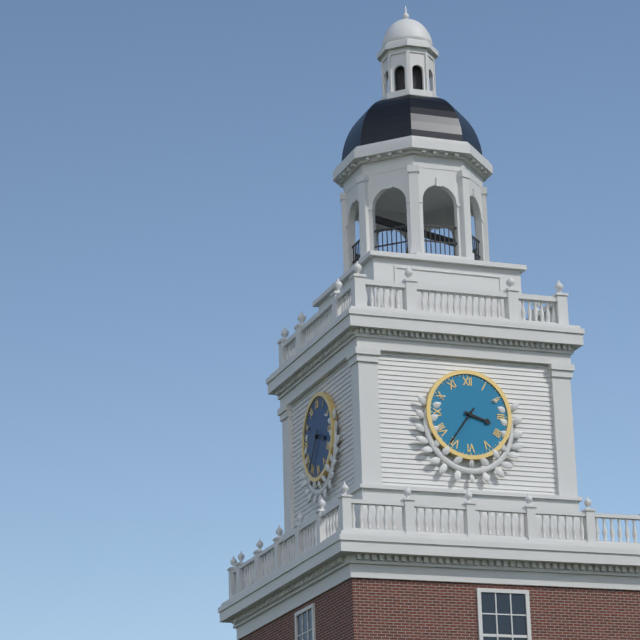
3:36
